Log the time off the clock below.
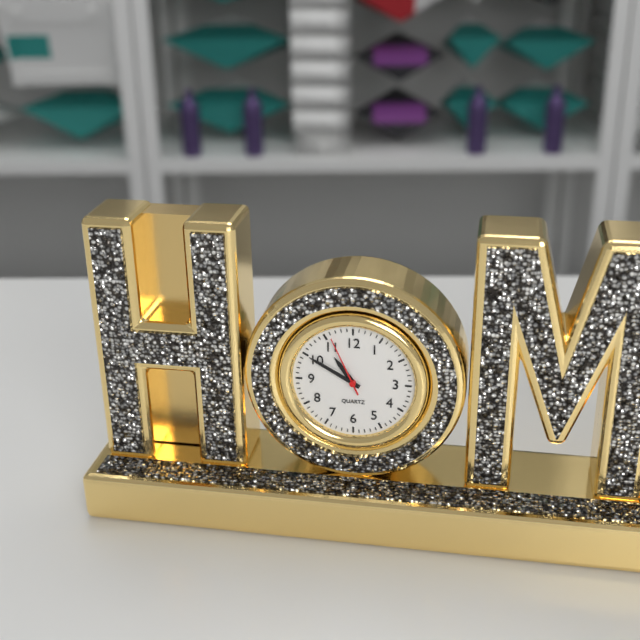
10:50:56
